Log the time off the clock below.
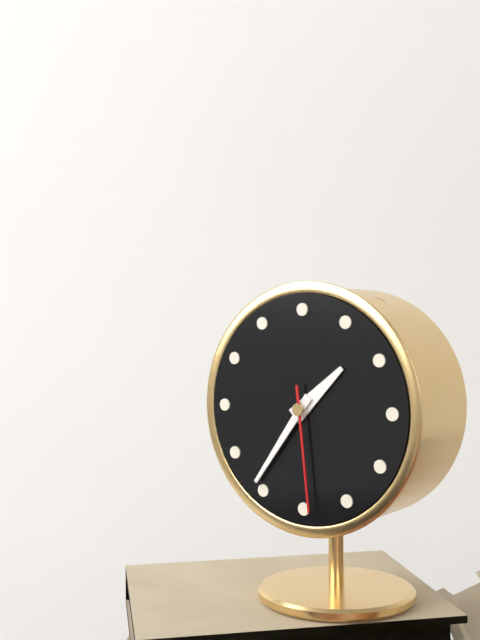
1:36:29
